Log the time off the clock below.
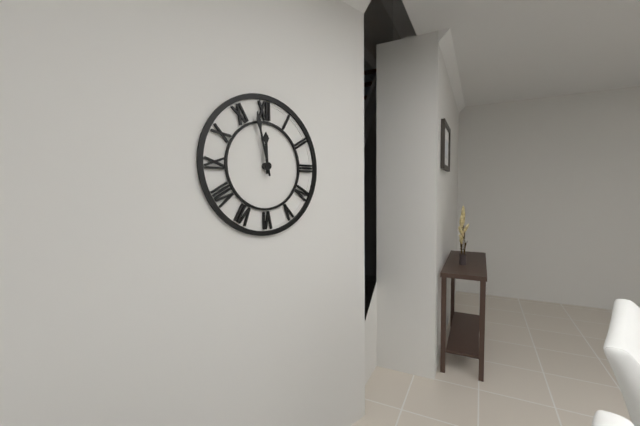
11:58
